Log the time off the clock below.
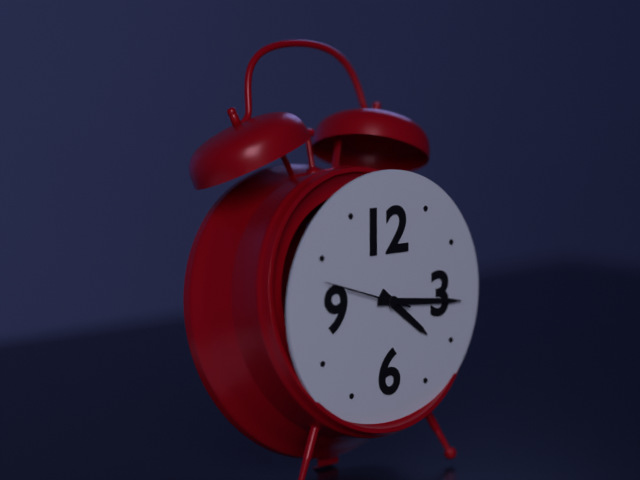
4:16:48
